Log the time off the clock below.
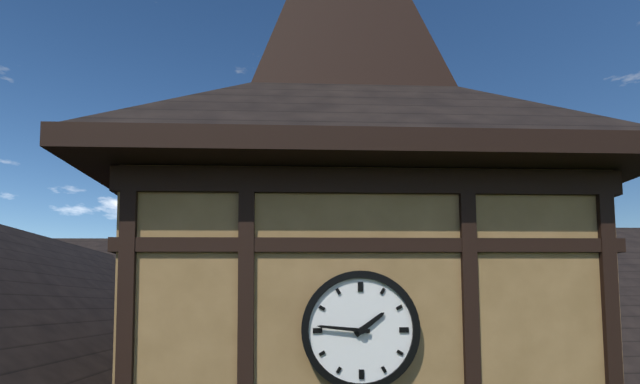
1:46
